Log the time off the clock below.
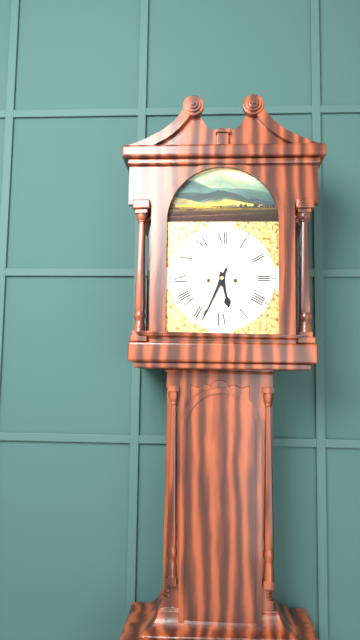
5:34
